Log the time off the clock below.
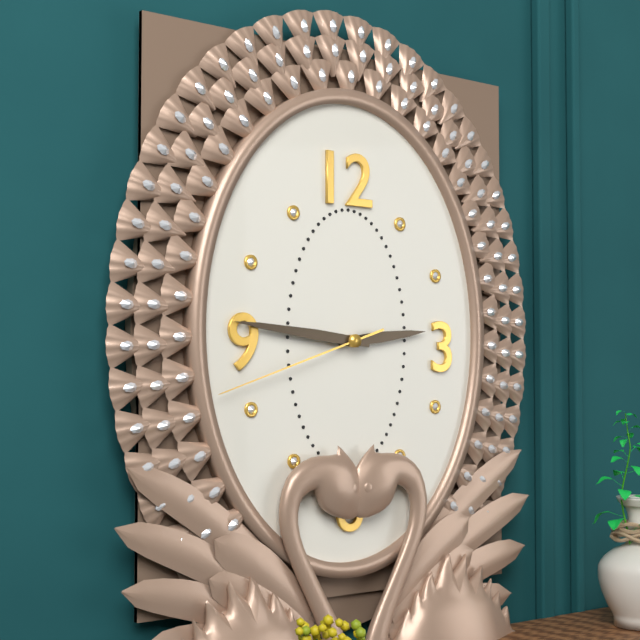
2:46:42
